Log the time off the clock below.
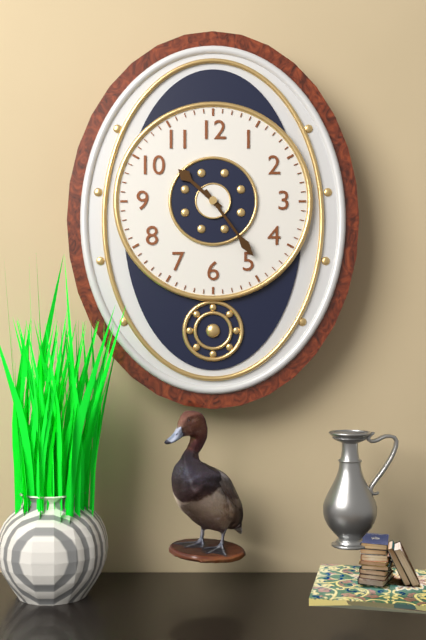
10:24
